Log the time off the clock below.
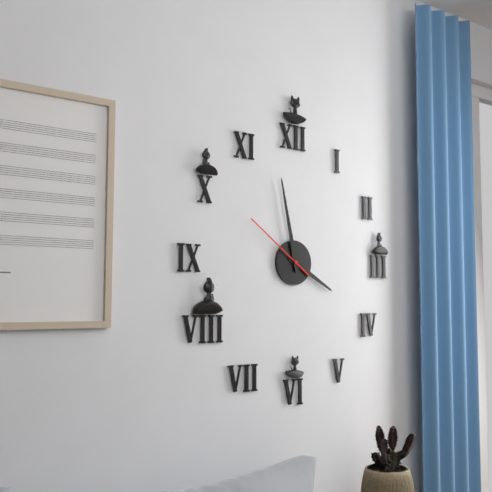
3:58:51
